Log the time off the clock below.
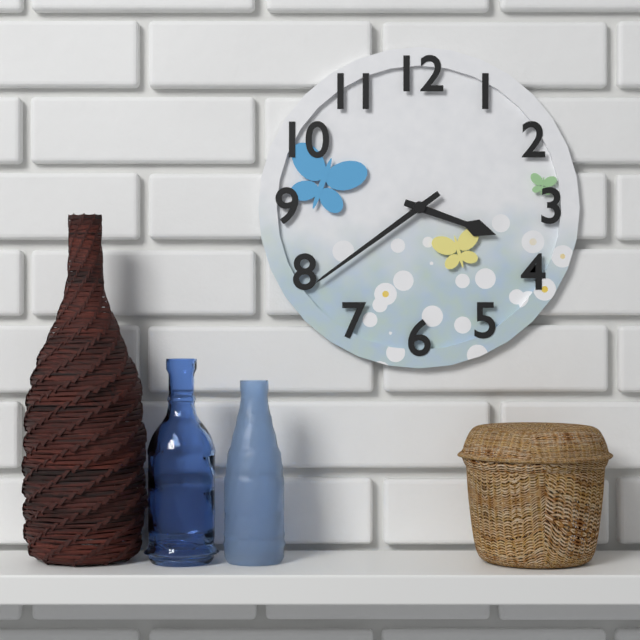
3:39
